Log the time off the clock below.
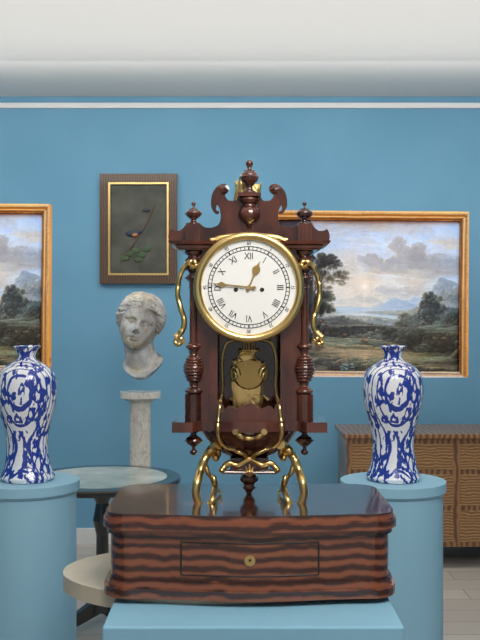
12:46
